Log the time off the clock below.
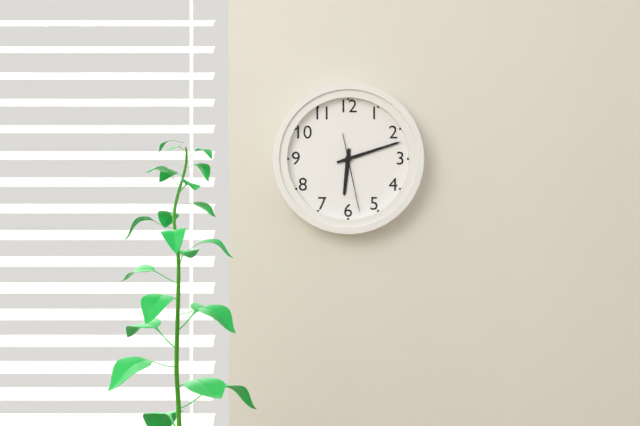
6:12:28
